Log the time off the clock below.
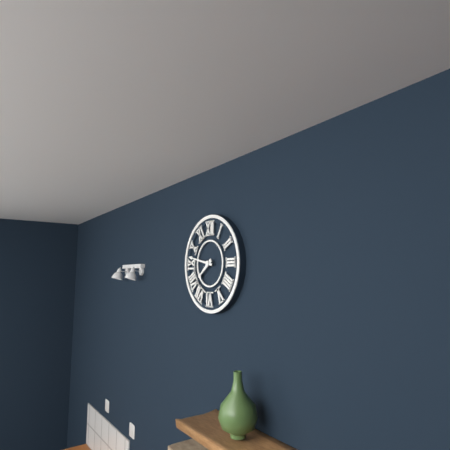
7:47
